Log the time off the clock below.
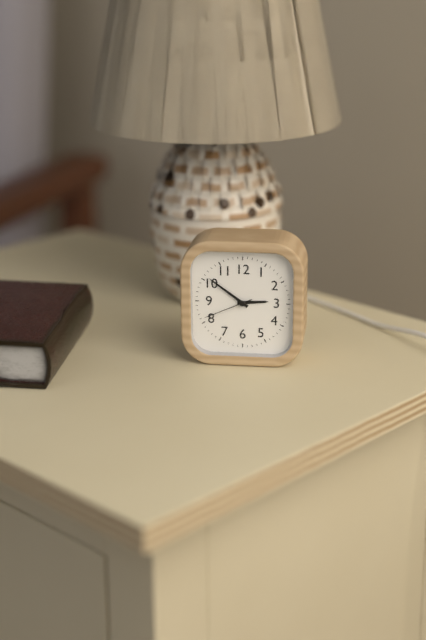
2:51:41
